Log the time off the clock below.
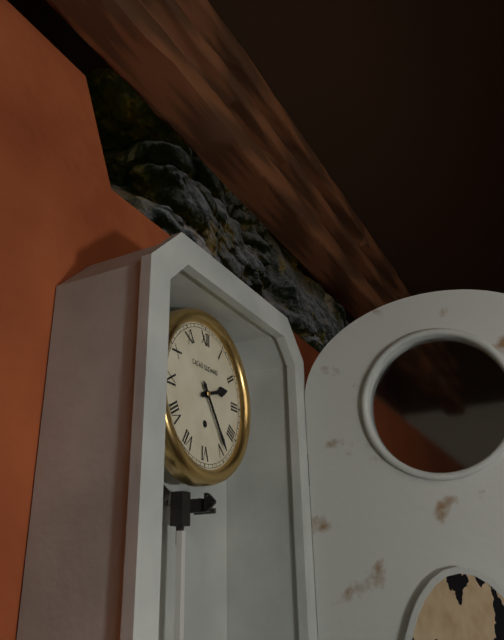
2:24
